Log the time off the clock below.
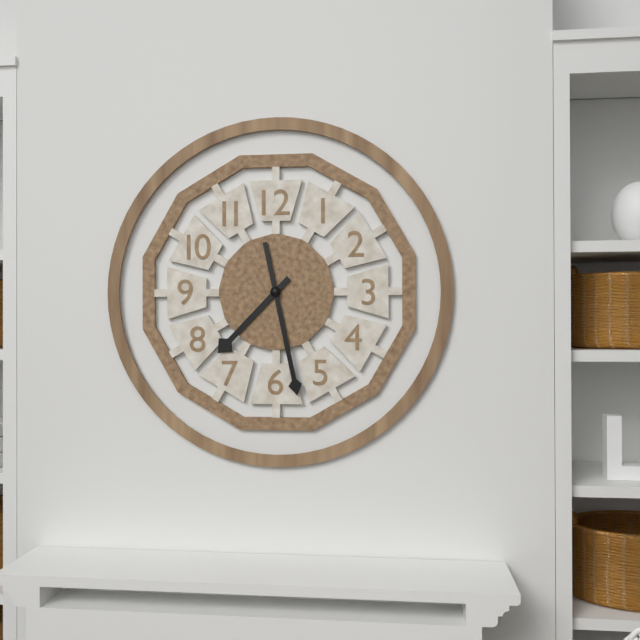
7:28
